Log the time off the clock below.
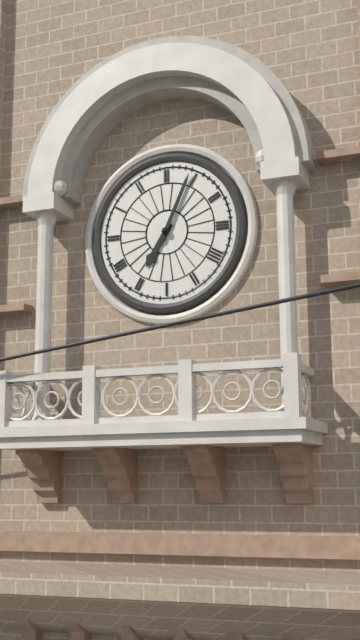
7:04
